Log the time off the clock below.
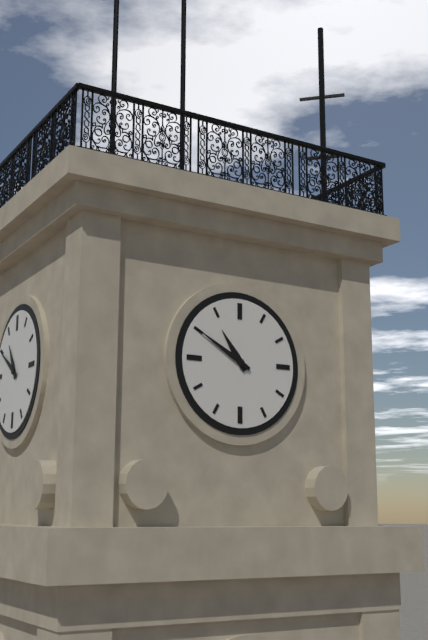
10:50
